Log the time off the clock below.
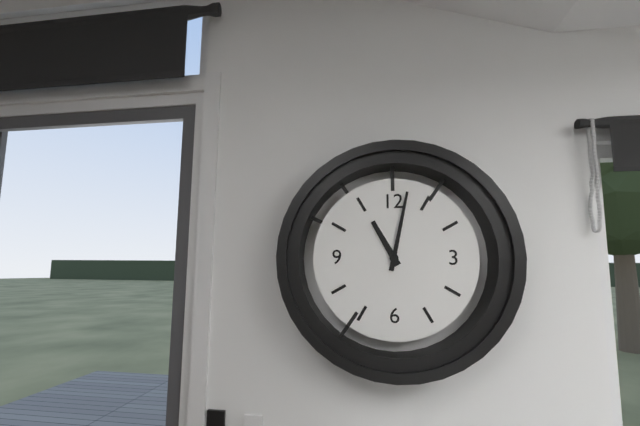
11:02
